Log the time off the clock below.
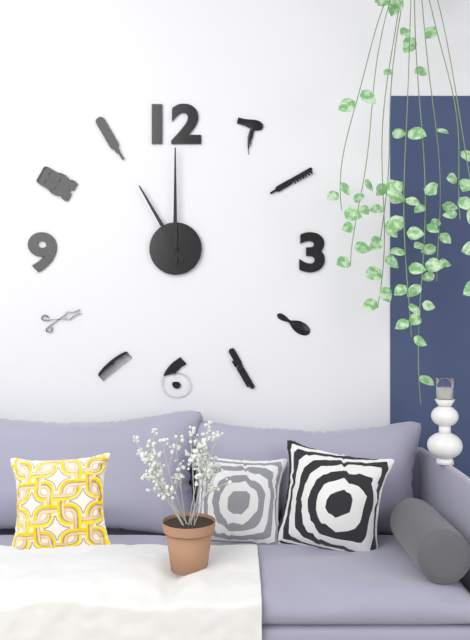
11:00
